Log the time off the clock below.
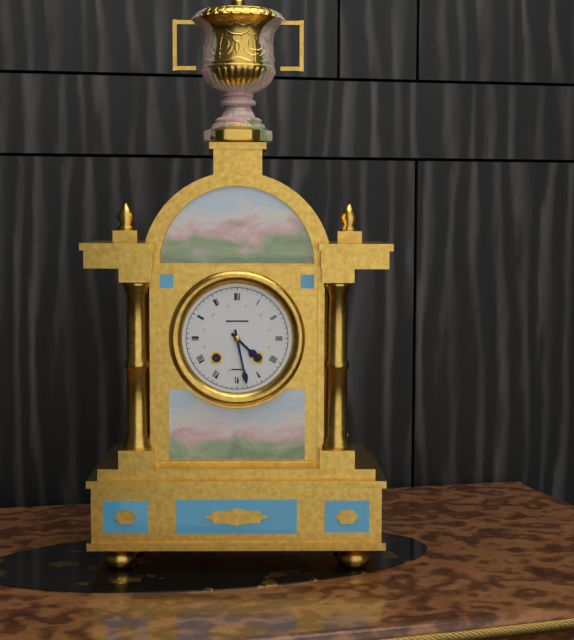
4:28
